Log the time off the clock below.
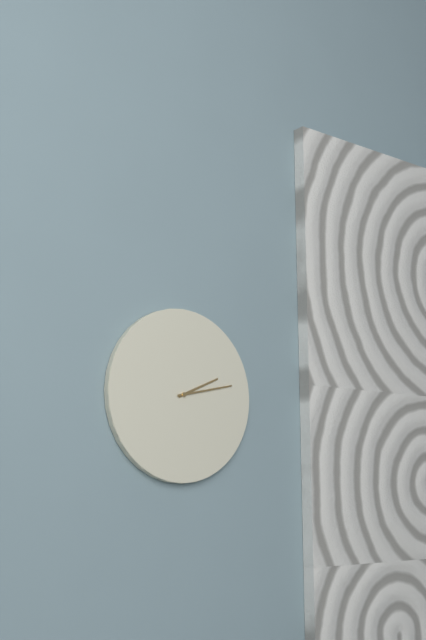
2:13
